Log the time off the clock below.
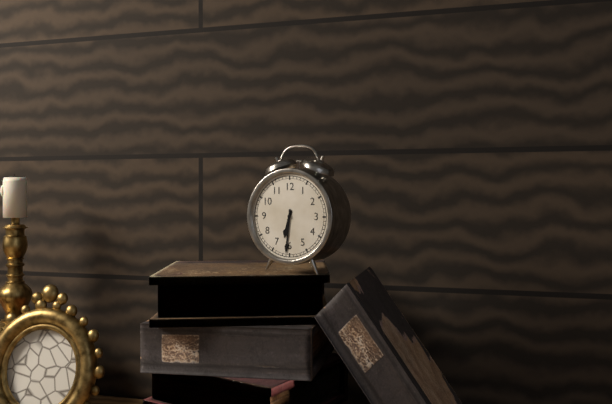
6:31
